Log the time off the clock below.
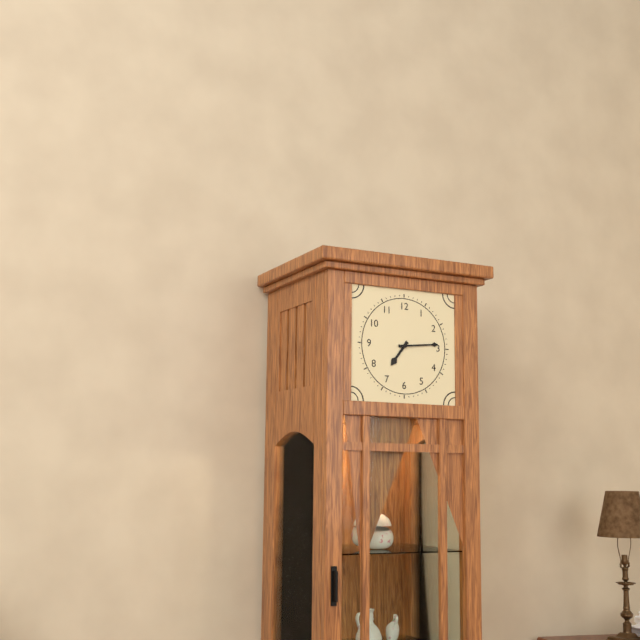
7:14
